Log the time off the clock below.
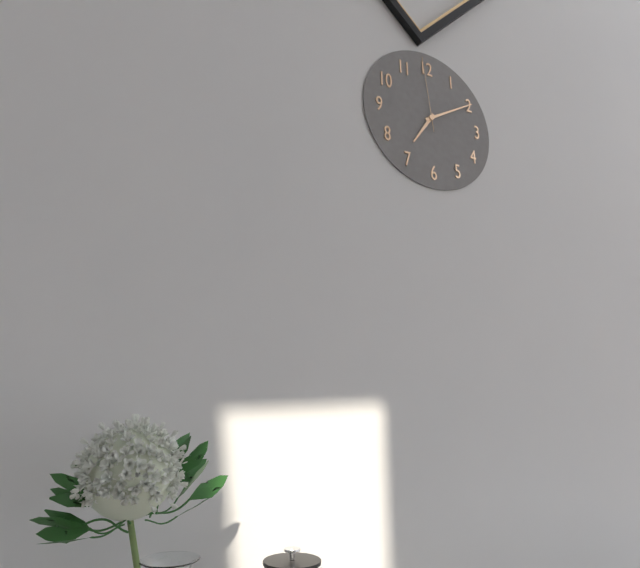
7:10:59
